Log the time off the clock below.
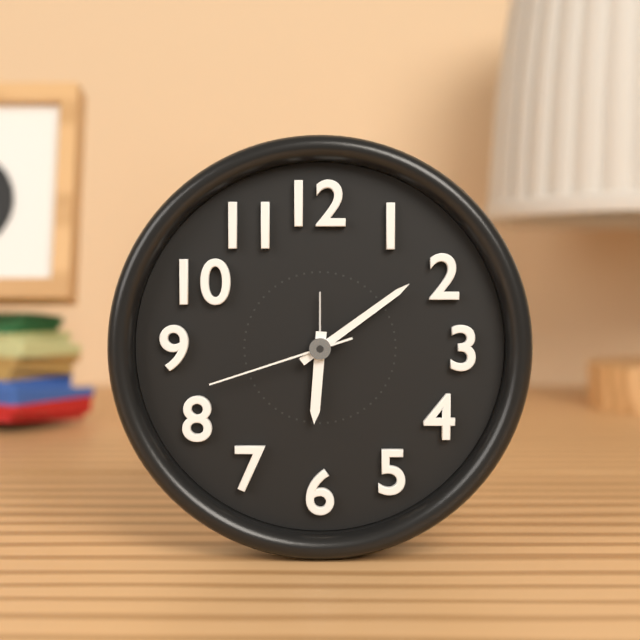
6:09:42
